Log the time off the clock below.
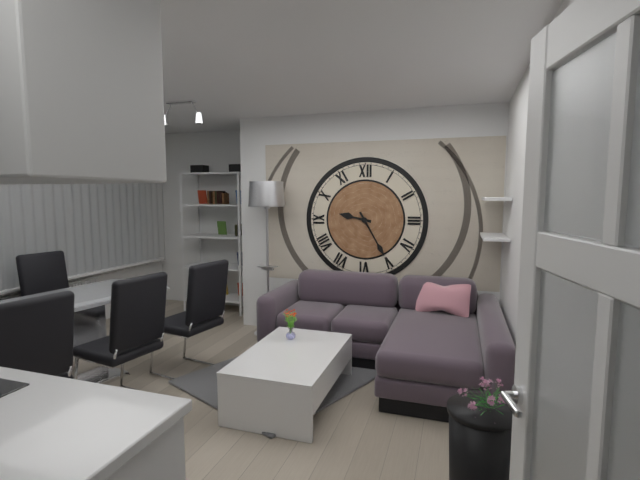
9:25
